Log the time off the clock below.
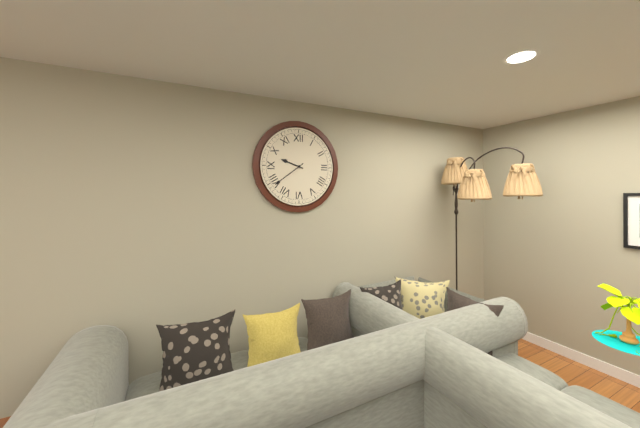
9:39
